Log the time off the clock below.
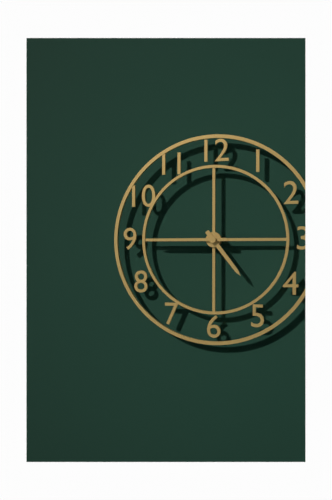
4:45
